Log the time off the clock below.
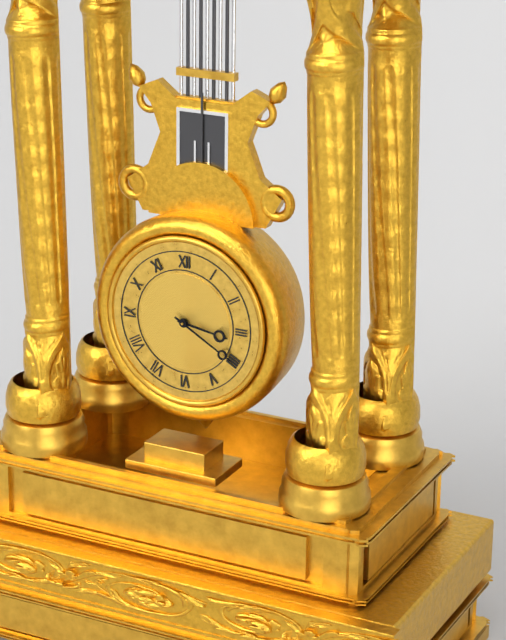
3:20
